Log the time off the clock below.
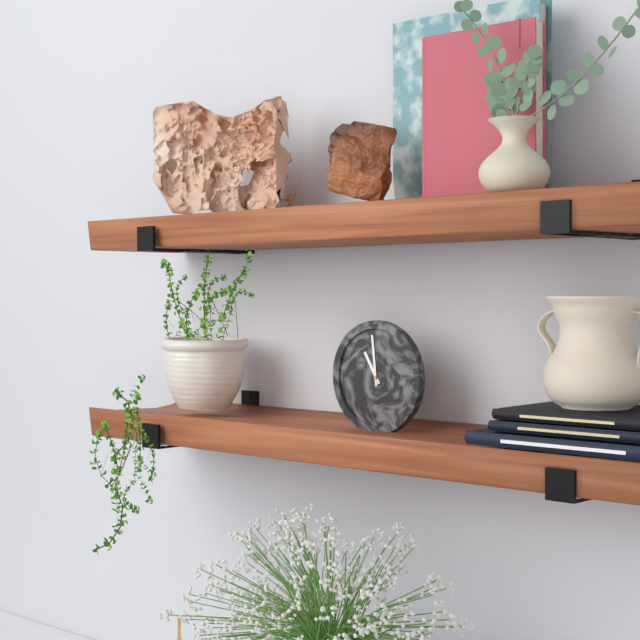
10:59
